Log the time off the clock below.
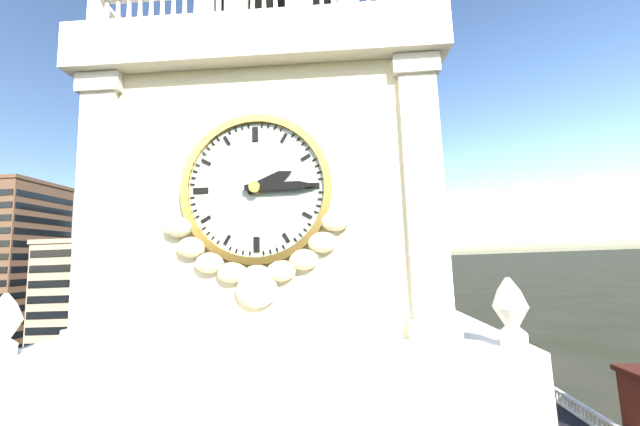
2:15
